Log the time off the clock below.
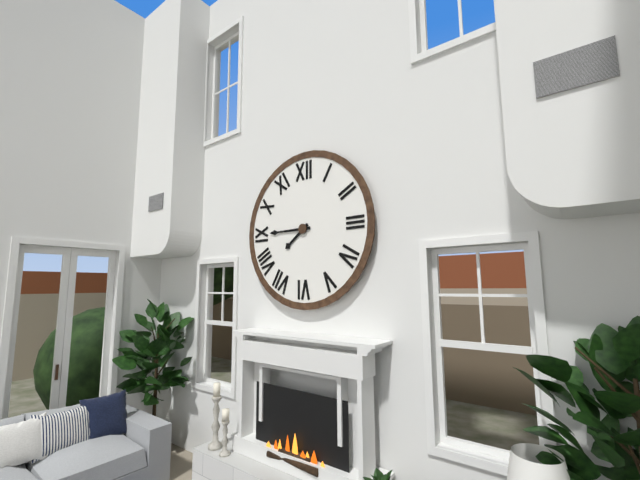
7:45
